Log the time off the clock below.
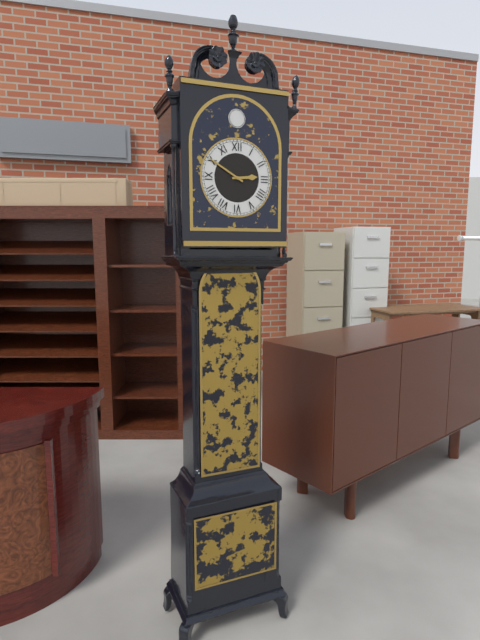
2:50
